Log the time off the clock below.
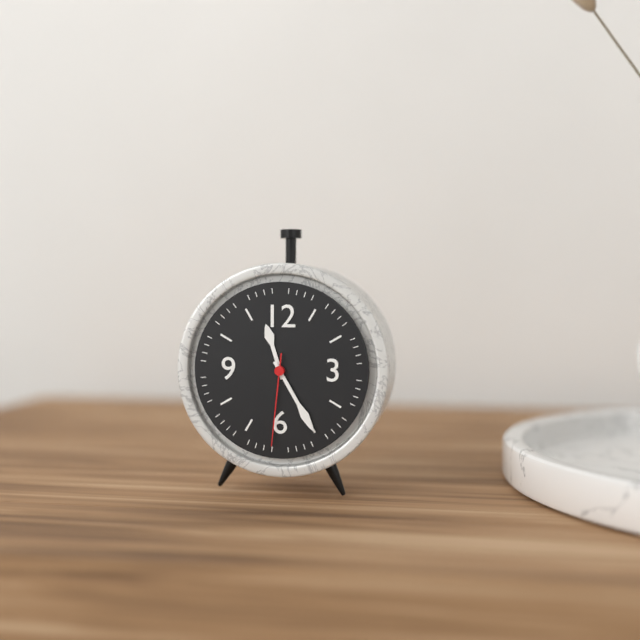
11:25:31
